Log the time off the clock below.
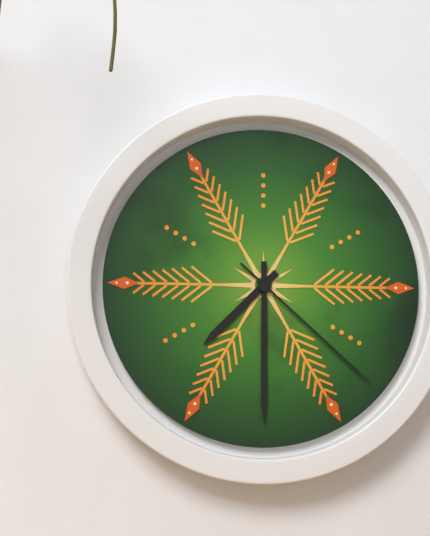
7:30:22
